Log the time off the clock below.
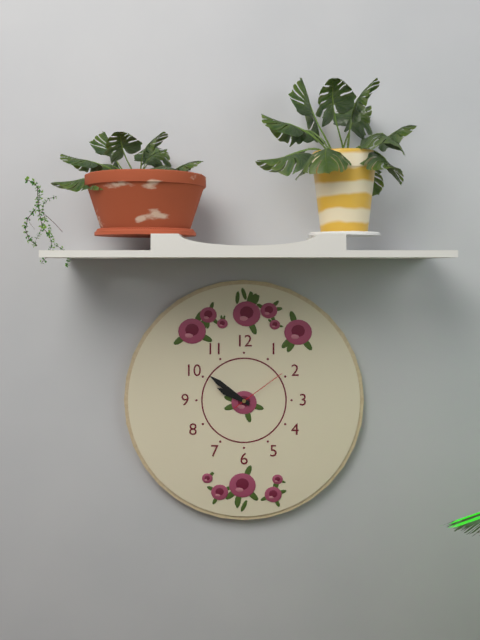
9:51:09
